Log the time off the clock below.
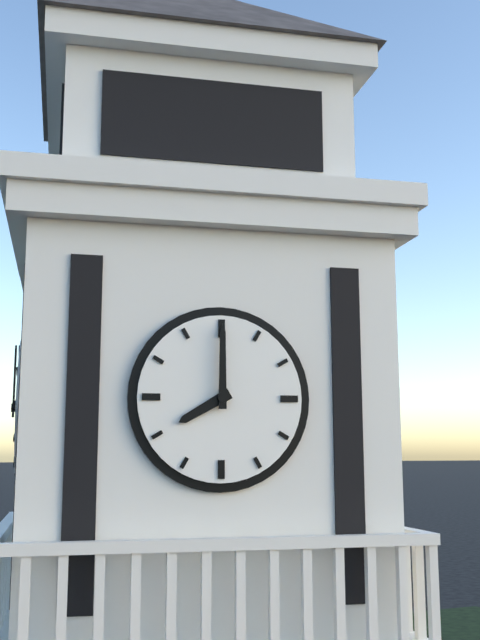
8:00
